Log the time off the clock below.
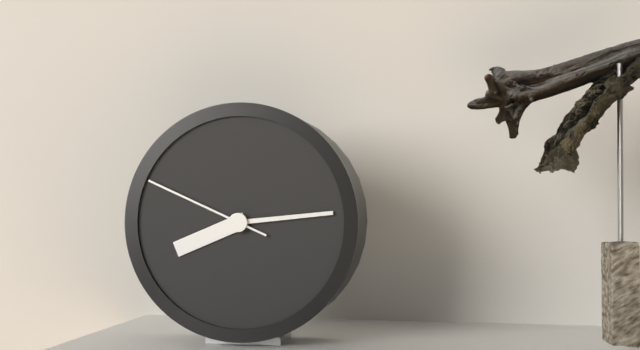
8:14:49
